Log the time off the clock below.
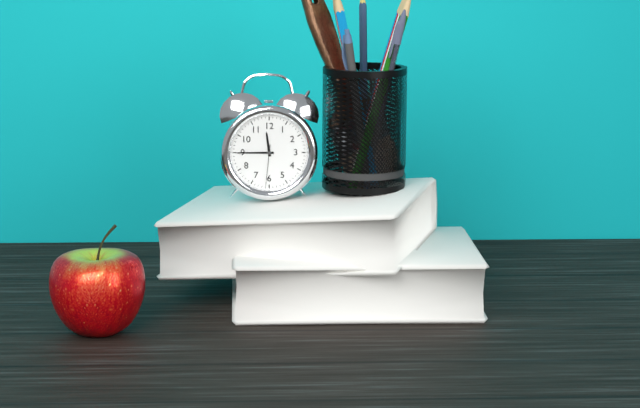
11:45
